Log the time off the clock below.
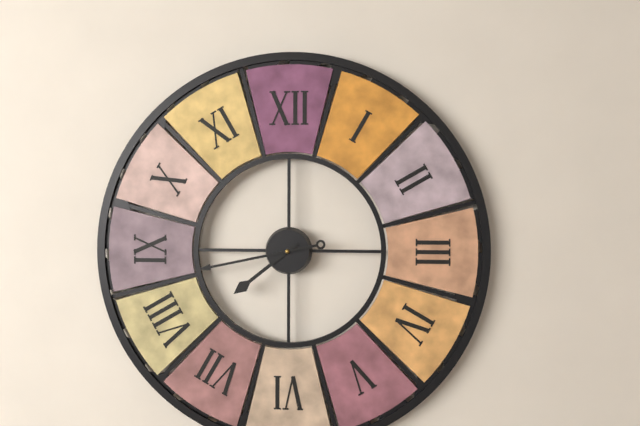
7:43
